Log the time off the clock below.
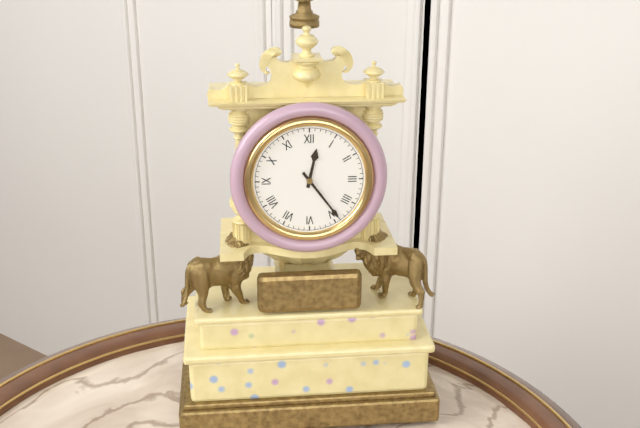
12:24
